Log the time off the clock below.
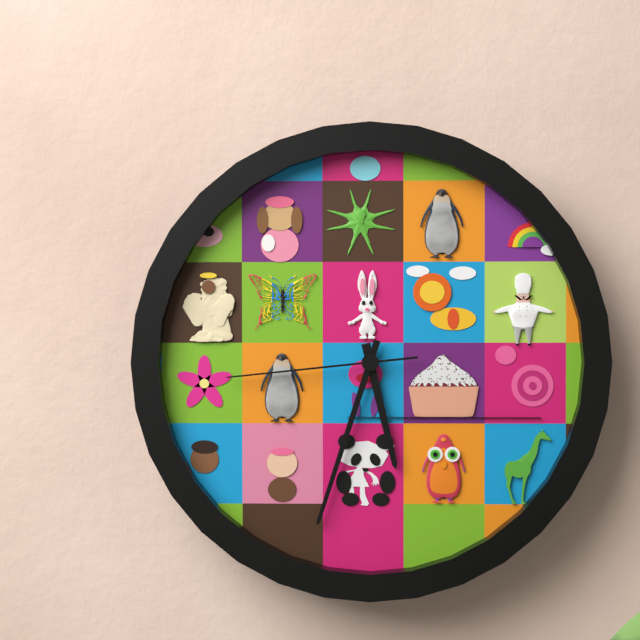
5:33:44
